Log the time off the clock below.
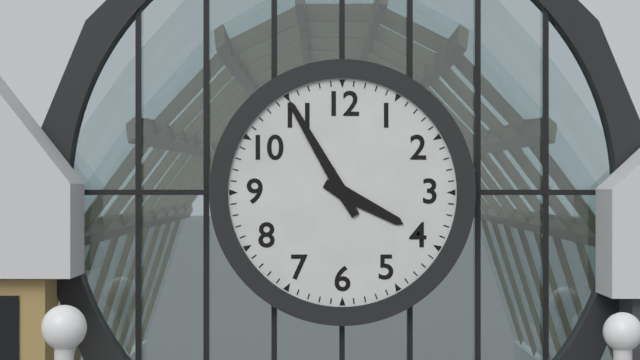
3:55
